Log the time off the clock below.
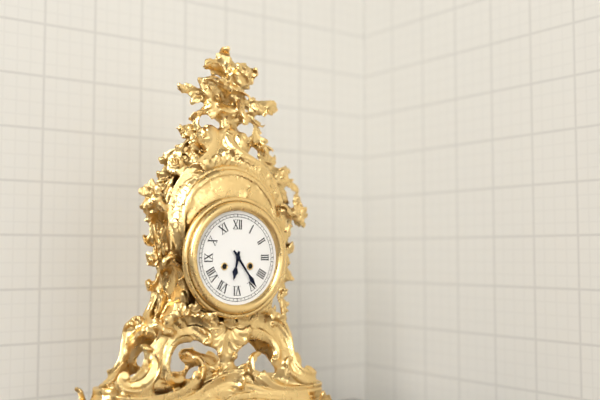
6:24
